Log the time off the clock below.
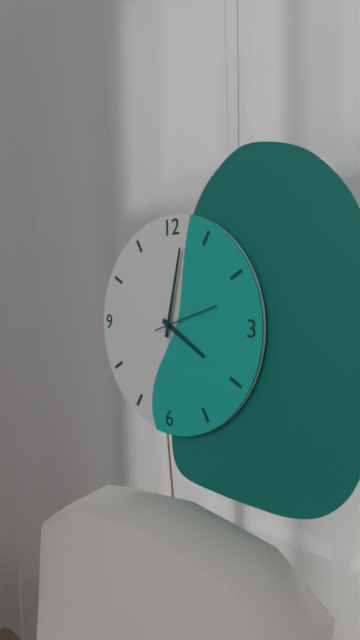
4:02:12
